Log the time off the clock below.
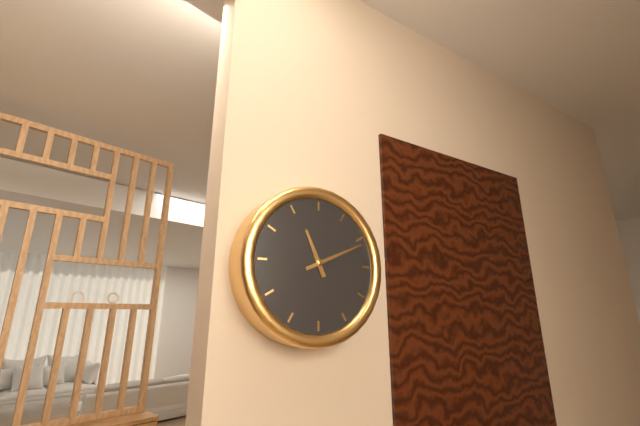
11:11
